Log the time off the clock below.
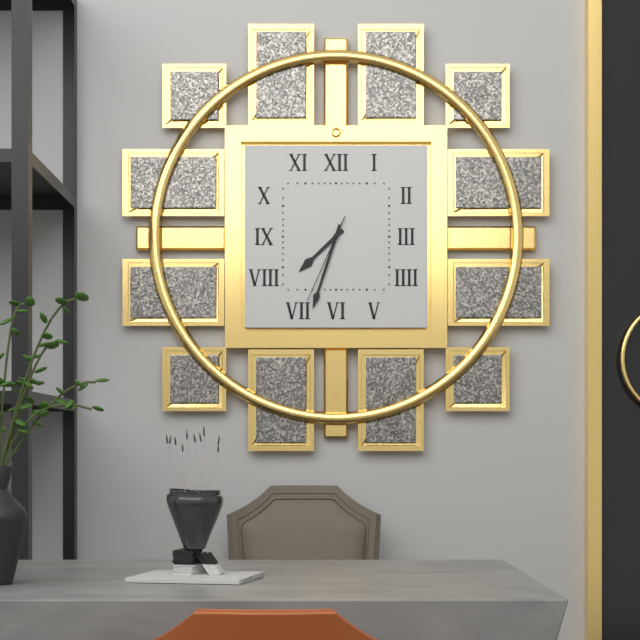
7:33:34
